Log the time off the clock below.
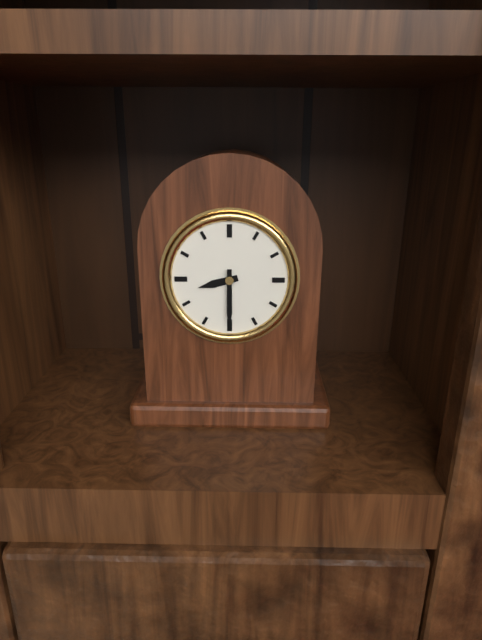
8:30
